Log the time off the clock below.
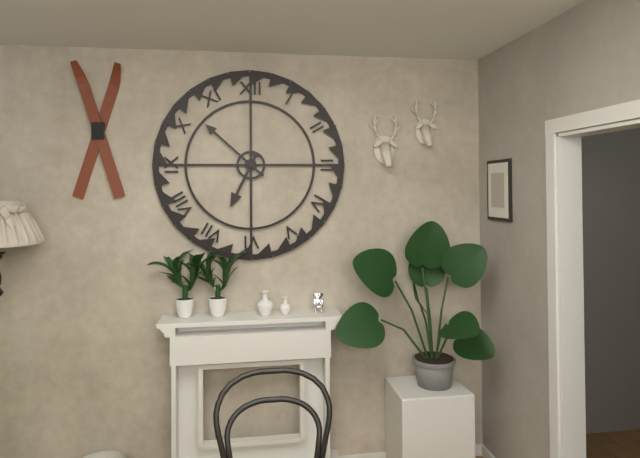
6:52
